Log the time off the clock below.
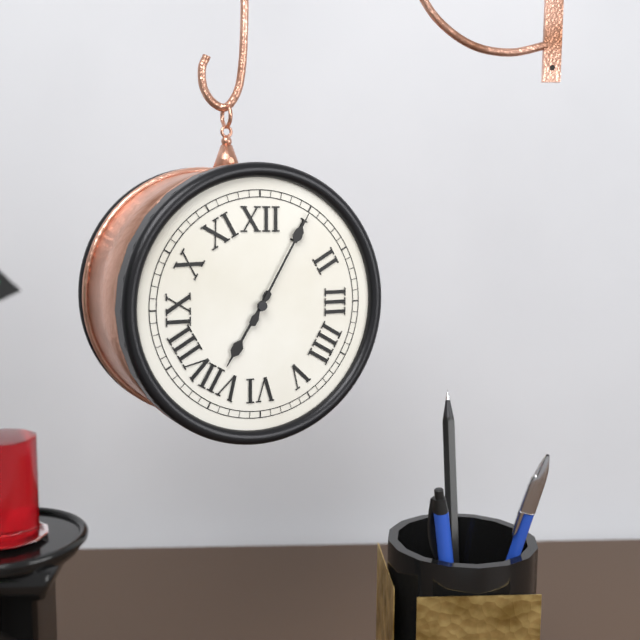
7:05
